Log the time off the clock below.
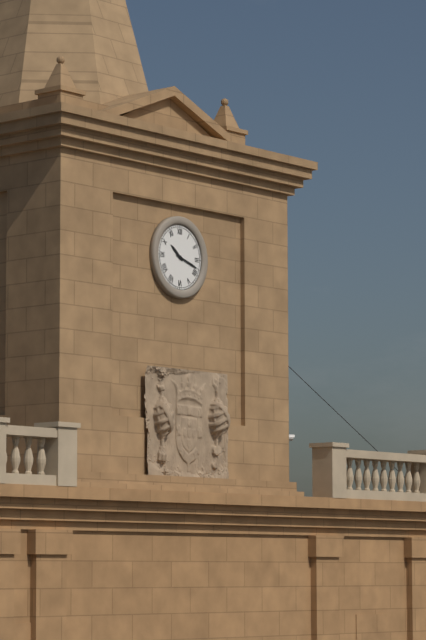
10:18
